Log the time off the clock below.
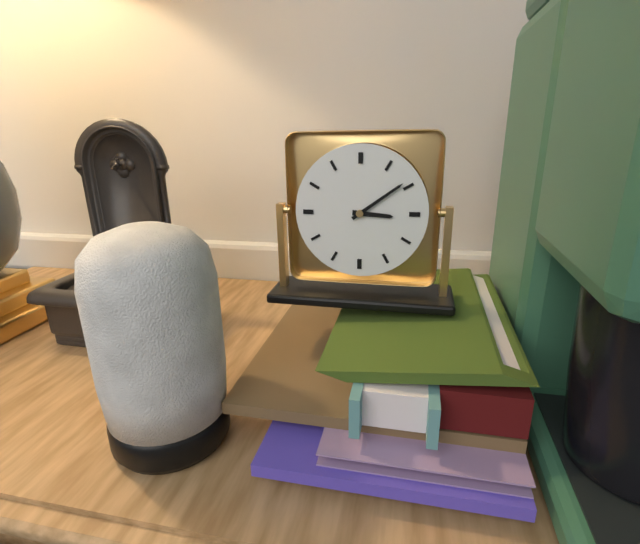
3:09
